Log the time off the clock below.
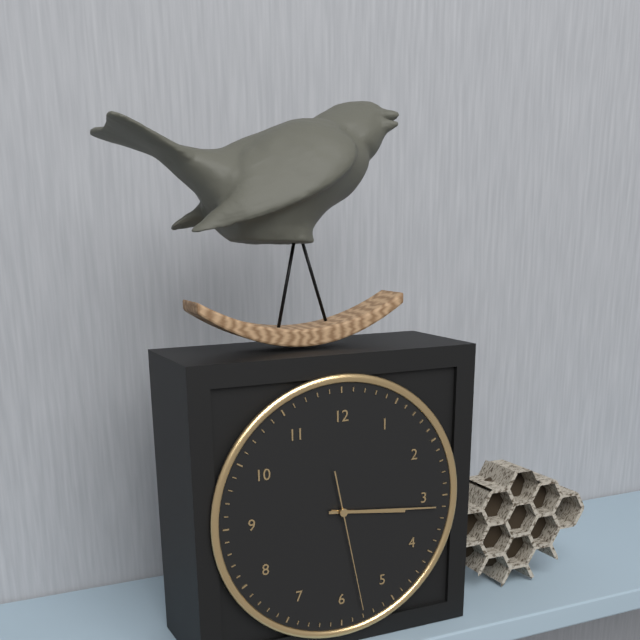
3:16:28
